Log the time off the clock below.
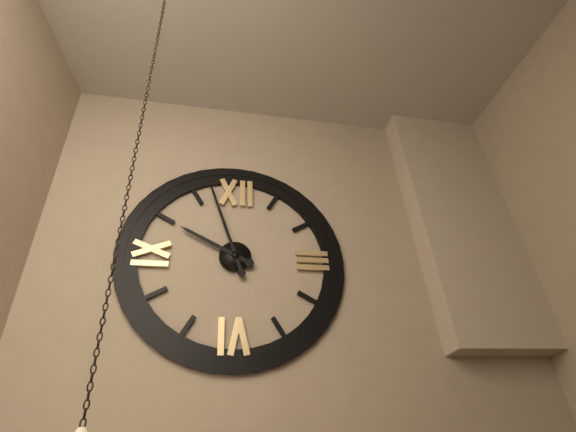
9:57
